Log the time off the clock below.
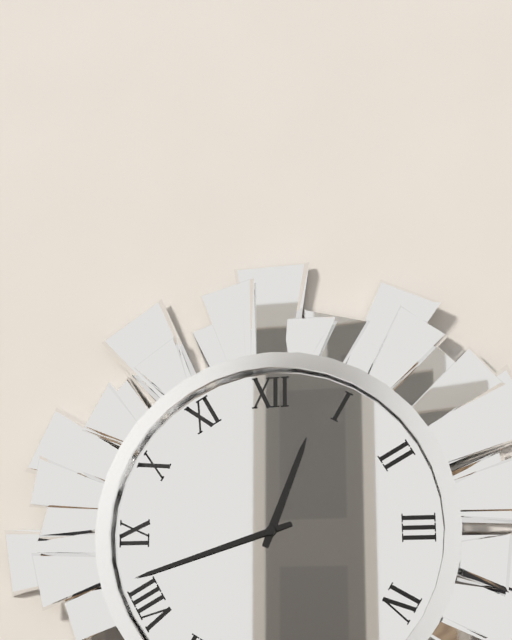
12:42
